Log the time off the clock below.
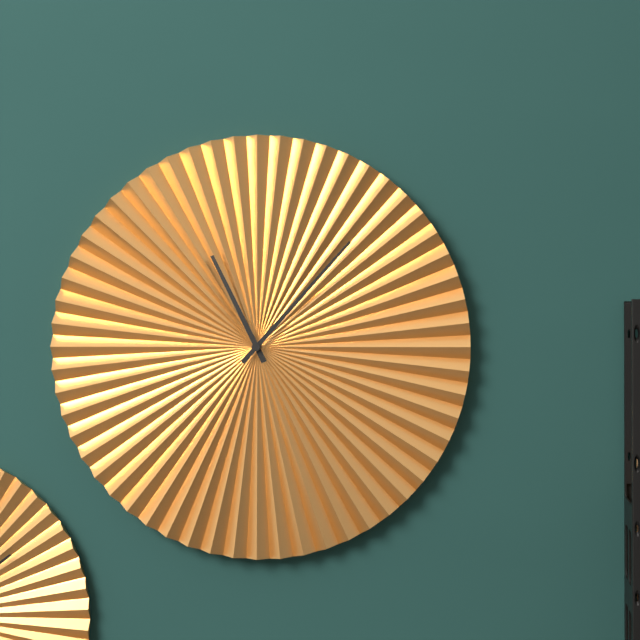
11:07
